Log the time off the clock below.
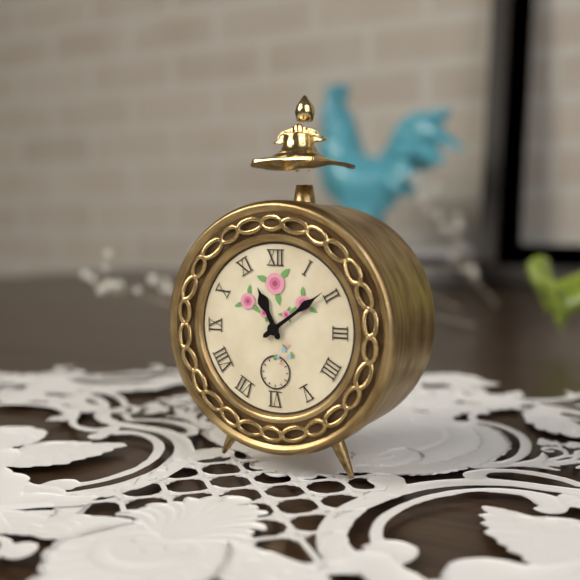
11:09
